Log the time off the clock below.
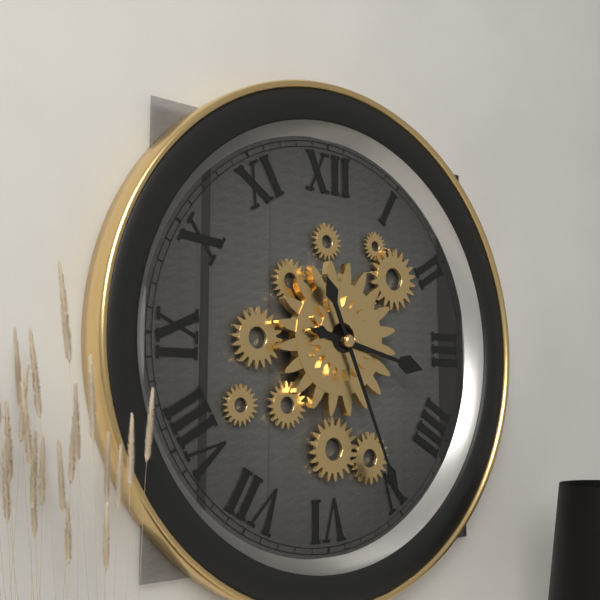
3:26
